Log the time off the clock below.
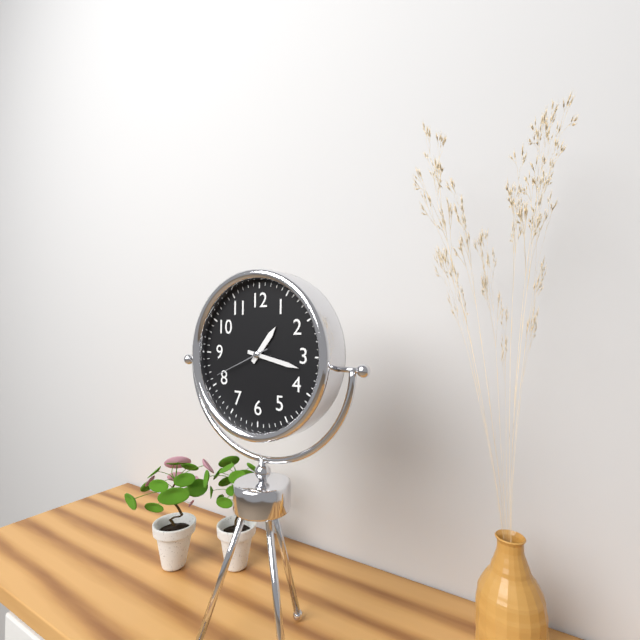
1:17:41
